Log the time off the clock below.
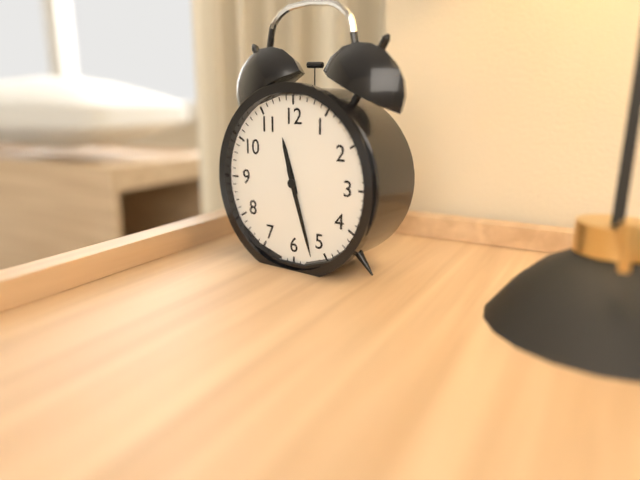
11:27
